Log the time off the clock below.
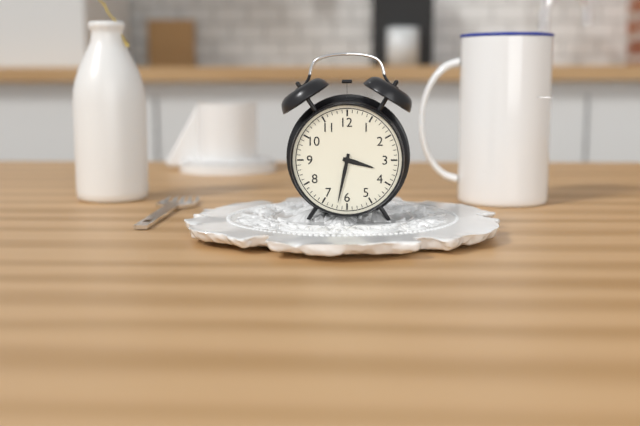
3:32
